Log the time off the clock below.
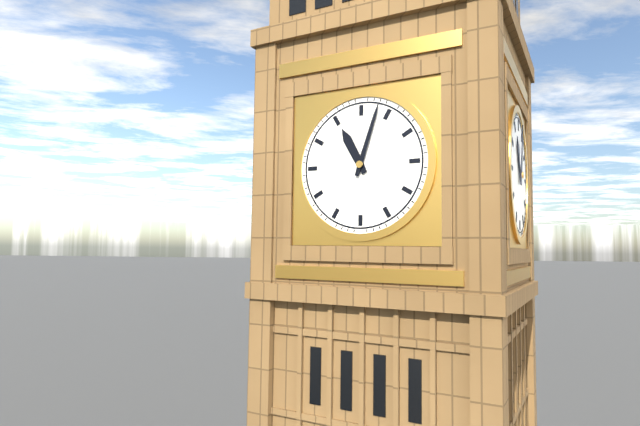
11:03
